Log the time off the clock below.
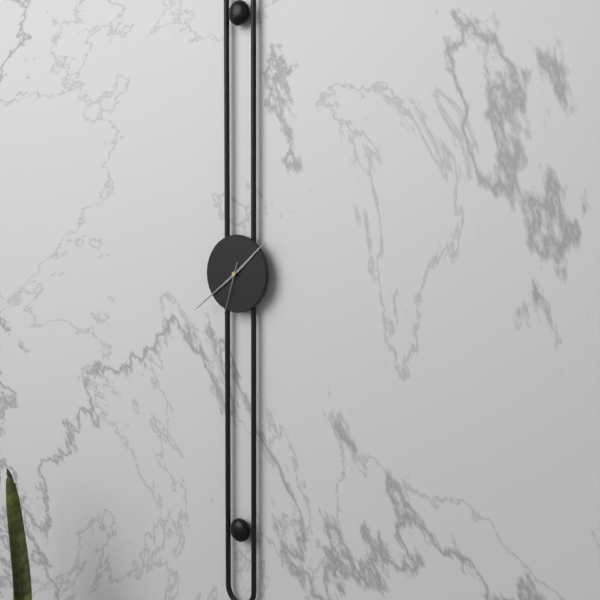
1:39:33
